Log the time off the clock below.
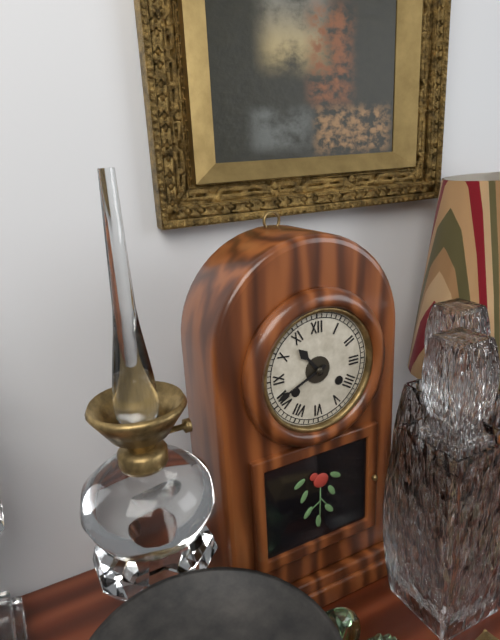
10:41
